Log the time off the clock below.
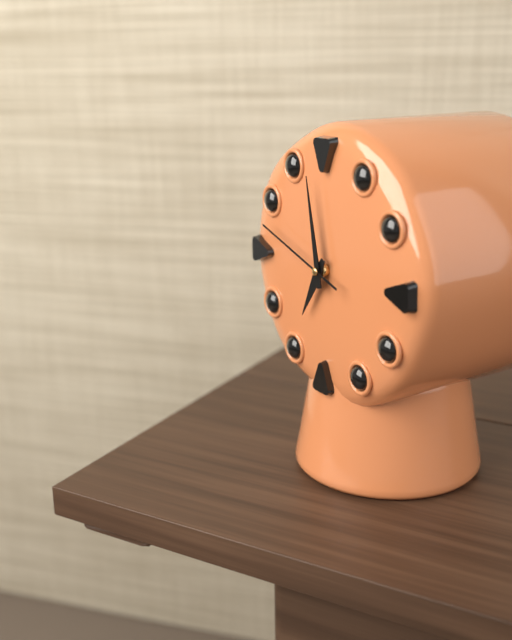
6:58:48
